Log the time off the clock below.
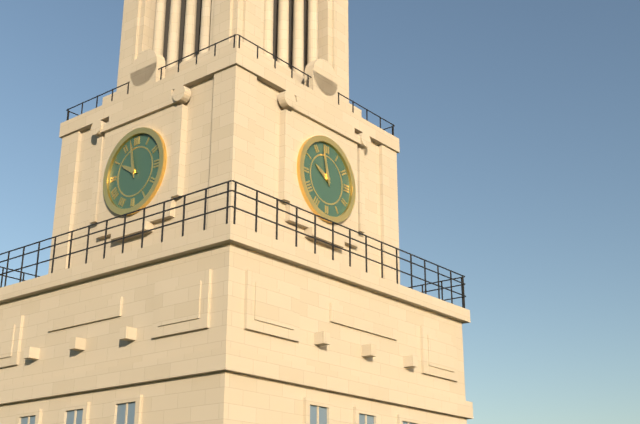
9:58
